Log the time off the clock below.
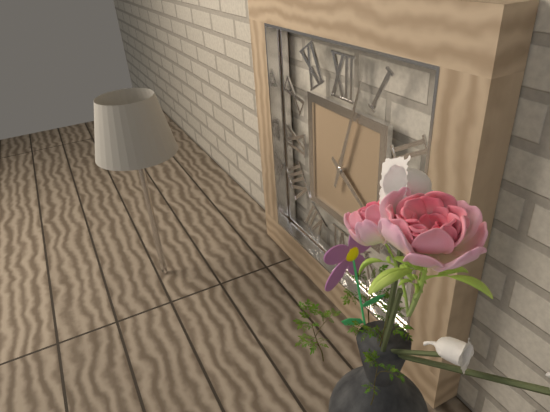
4:03
